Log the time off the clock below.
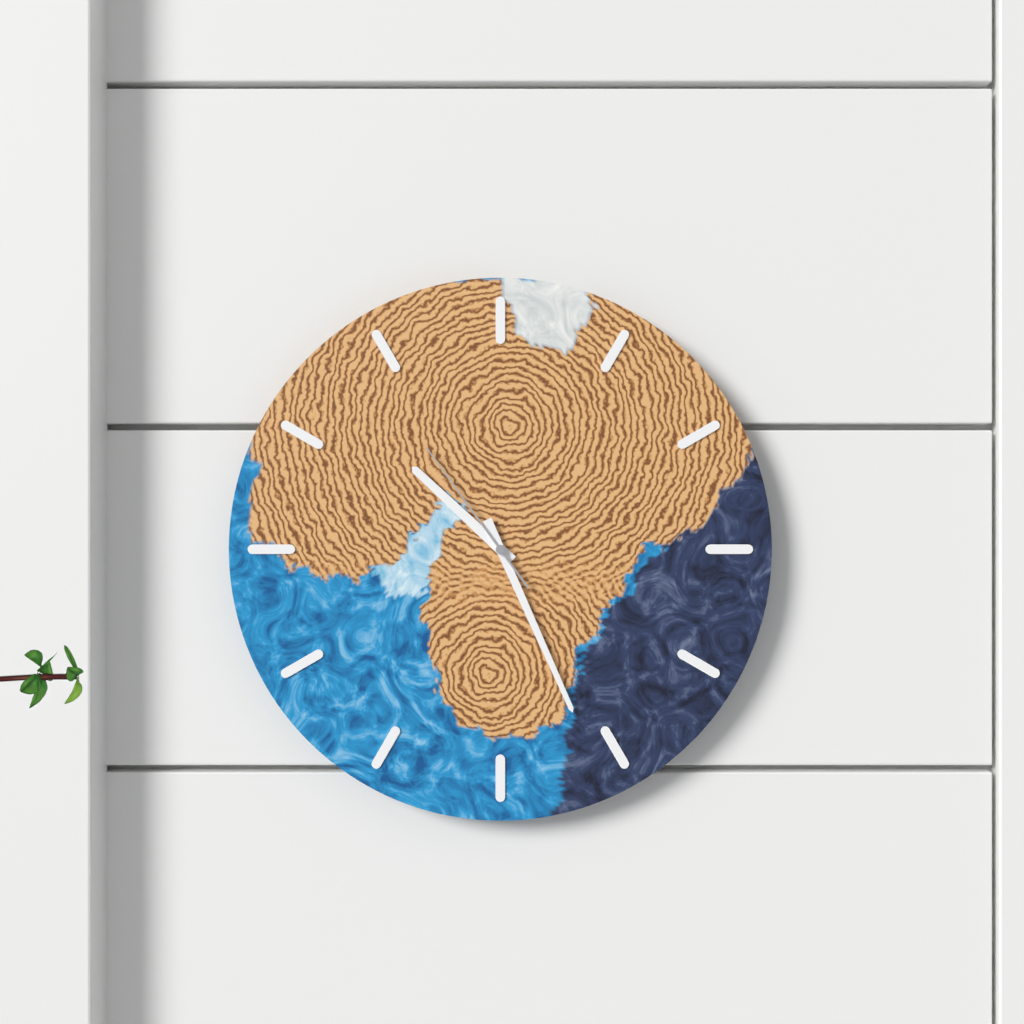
10:26:54
